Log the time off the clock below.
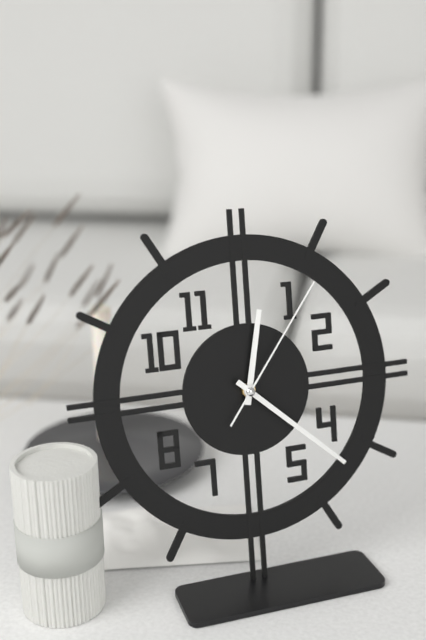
12:22:06
